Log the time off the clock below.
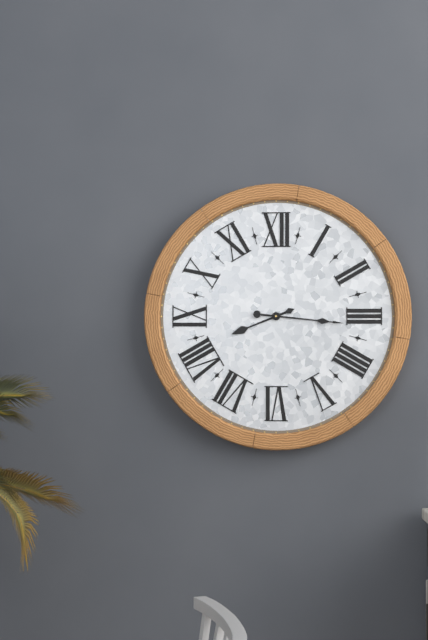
8:16
